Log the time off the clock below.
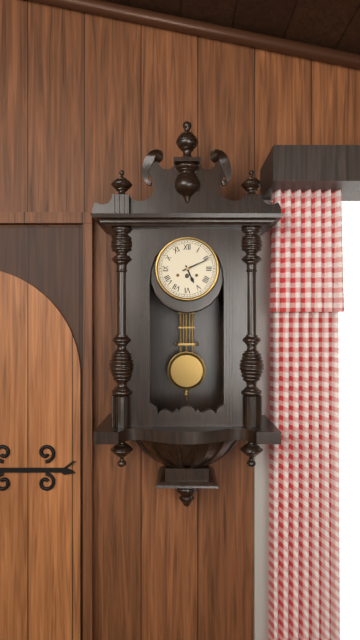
5:11
